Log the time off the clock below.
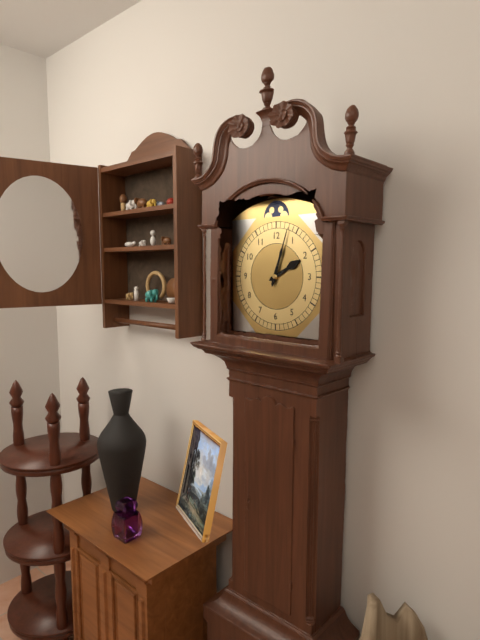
2:03
